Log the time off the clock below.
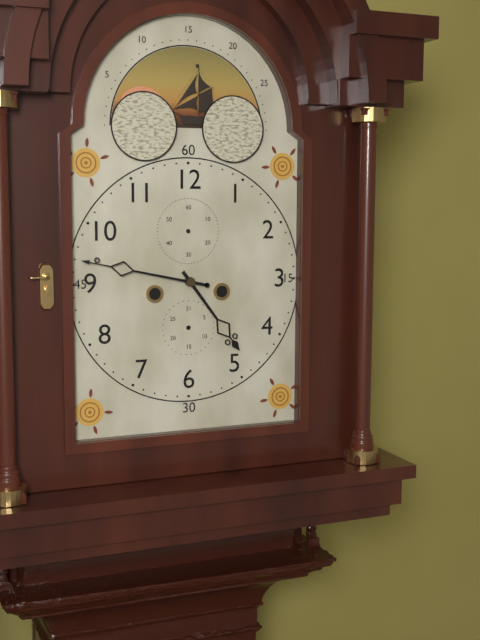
4:47
